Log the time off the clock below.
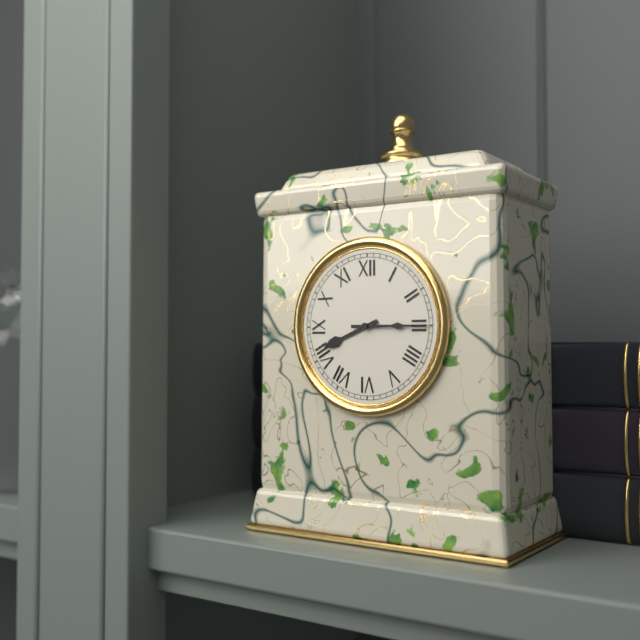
8:15
